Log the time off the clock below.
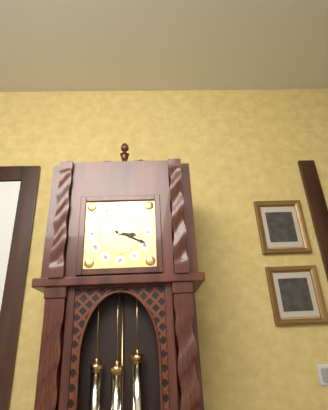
3:19
